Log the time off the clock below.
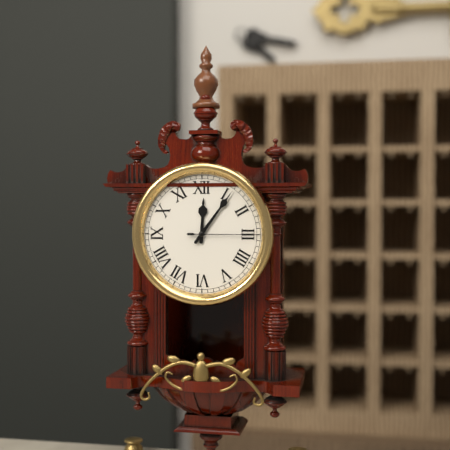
12:06:15
